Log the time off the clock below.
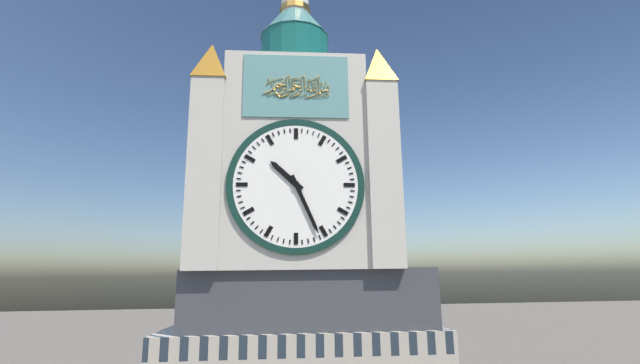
10:26
